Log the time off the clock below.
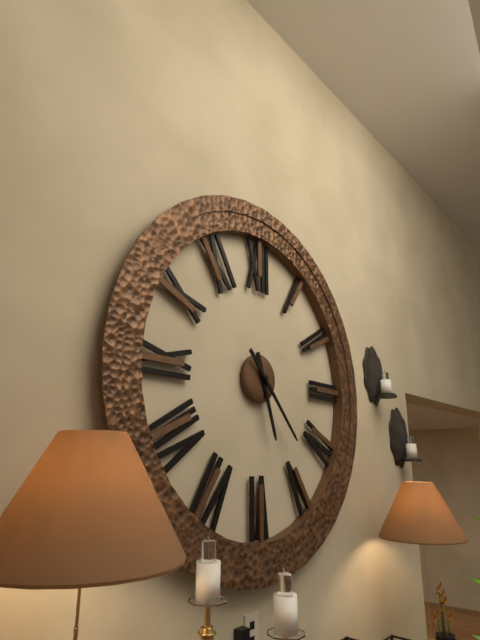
5:23
